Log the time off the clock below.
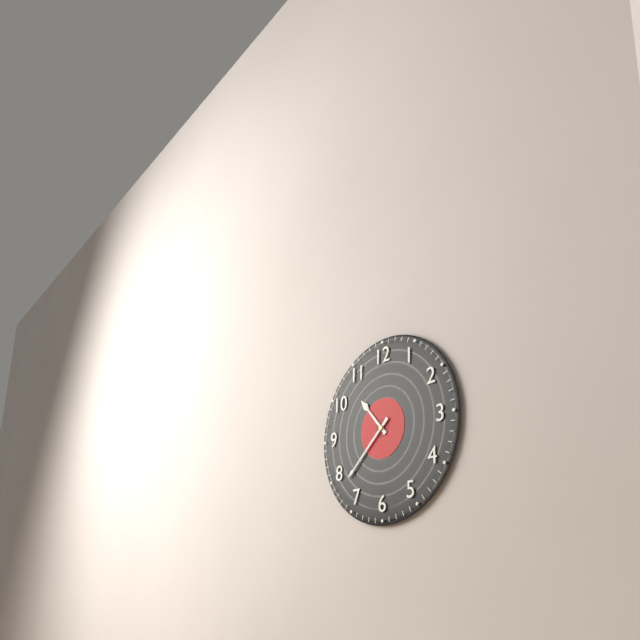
10:38
